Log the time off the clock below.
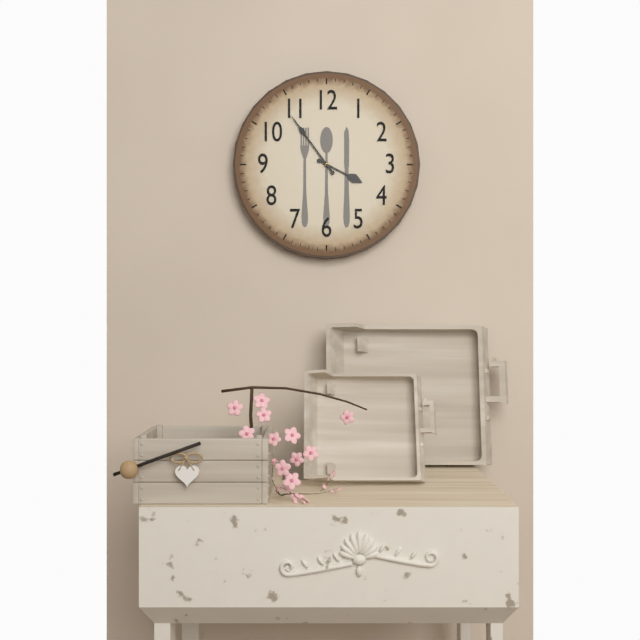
3:54
